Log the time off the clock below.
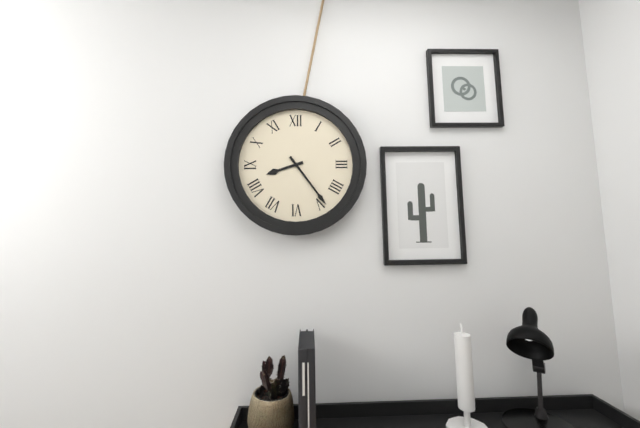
8:24
